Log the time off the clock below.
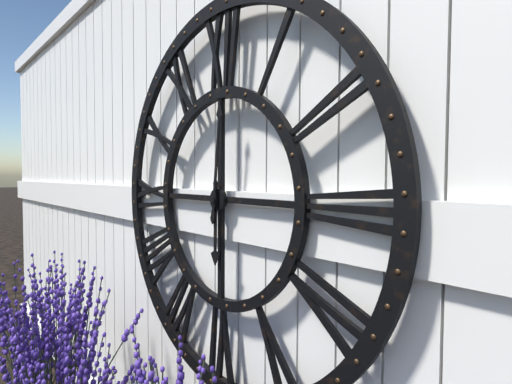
6:01
